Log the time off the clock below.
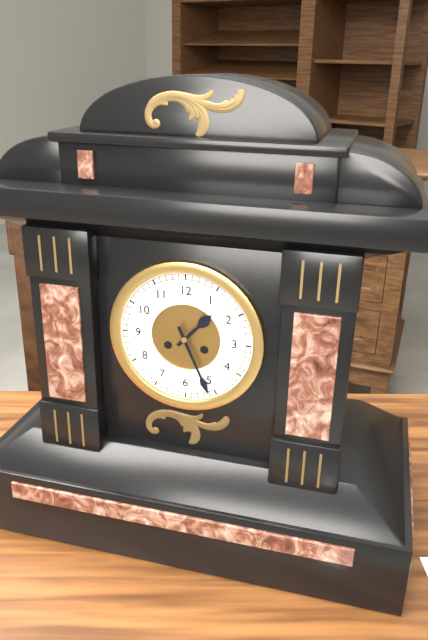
1:26
